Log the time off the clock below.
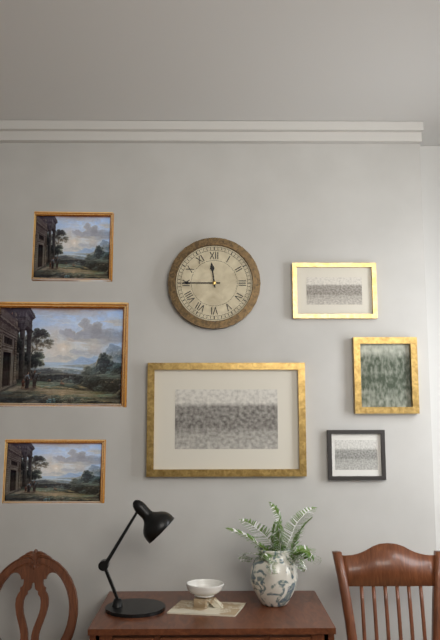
11:45
